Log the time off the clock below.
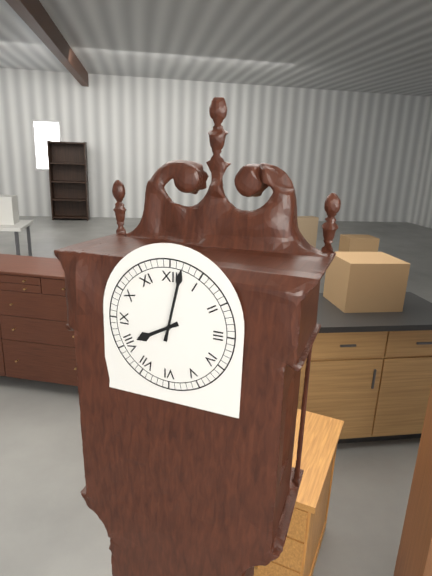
8:02
